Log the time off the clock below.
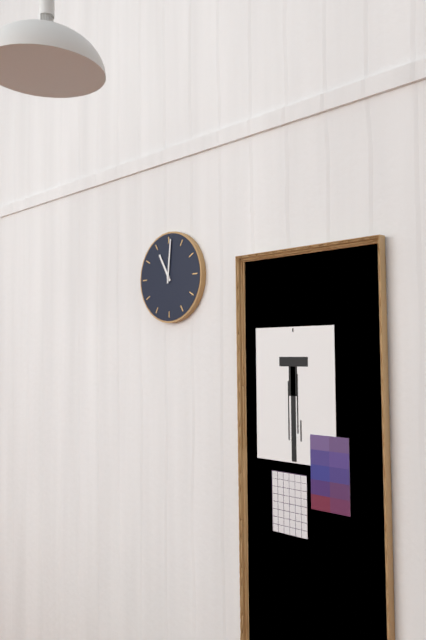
11:01
